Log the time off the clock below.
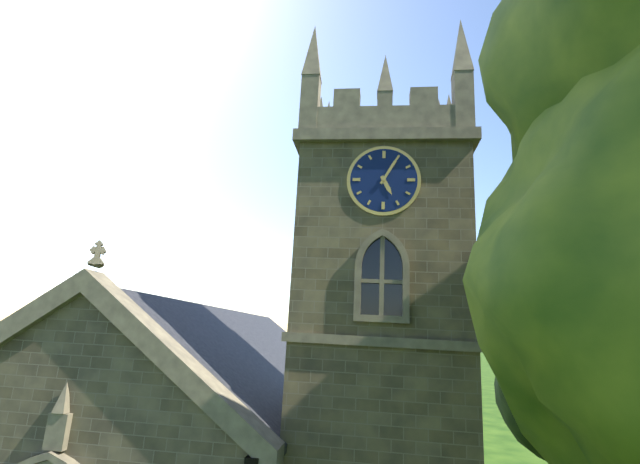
5:05
